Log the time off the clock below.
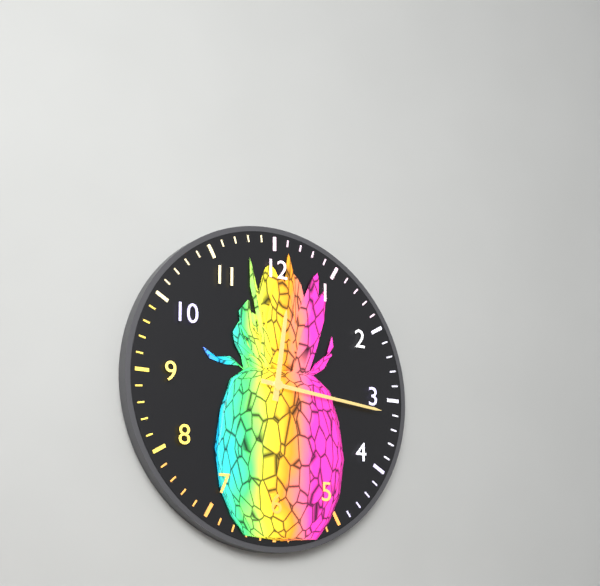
12:16
